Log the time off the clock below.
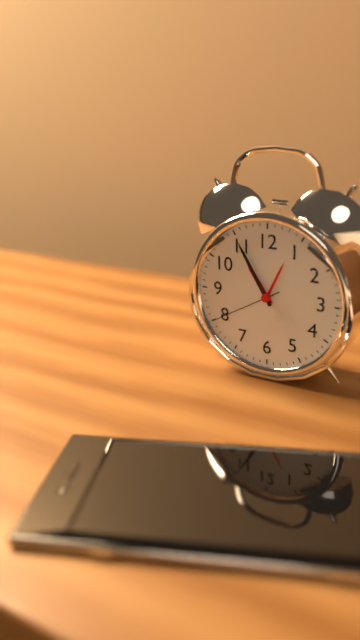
10:55:40
